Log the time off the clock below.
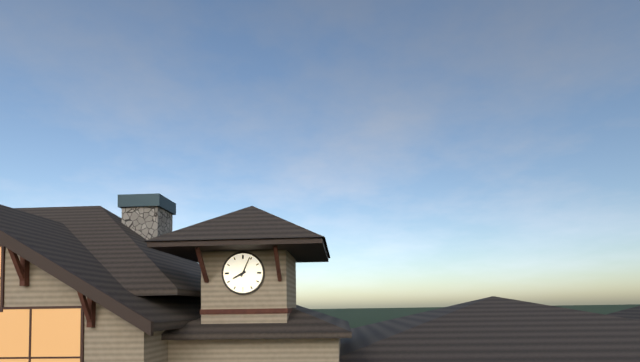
8:04
